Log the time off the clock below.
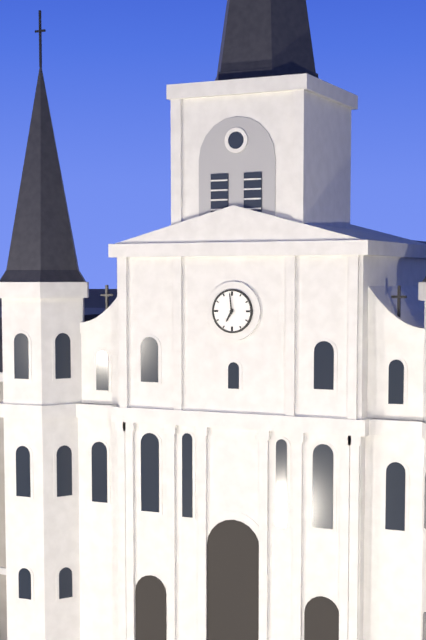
6:59
